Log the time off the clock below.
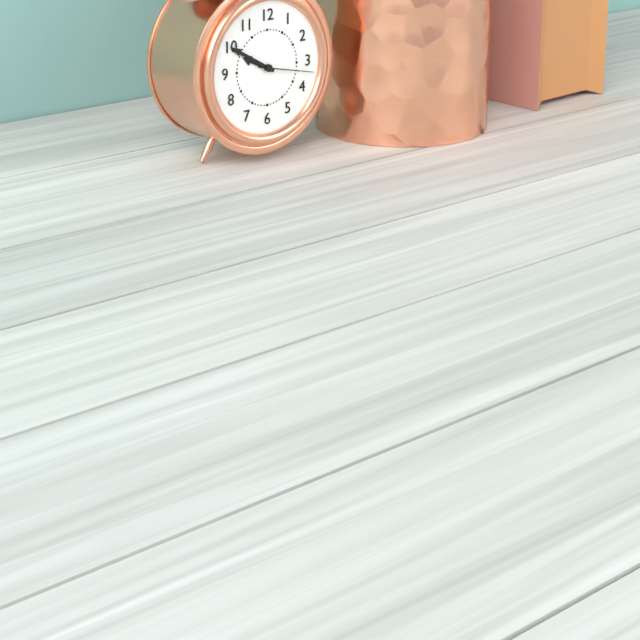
9:50:17
